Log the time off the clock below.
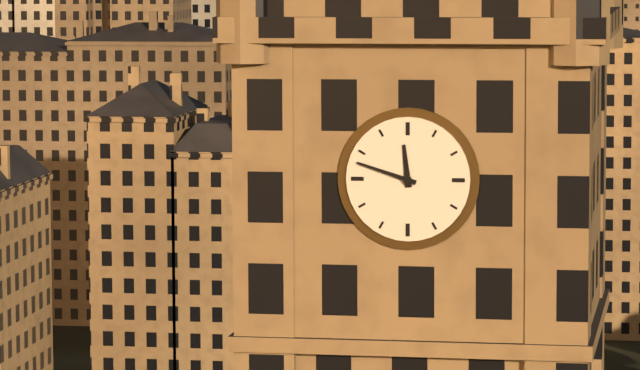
11:48
